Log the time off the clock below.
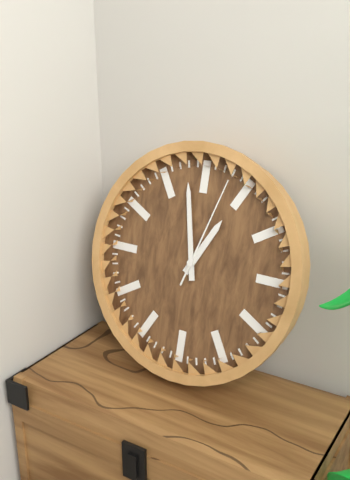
12:58:03
